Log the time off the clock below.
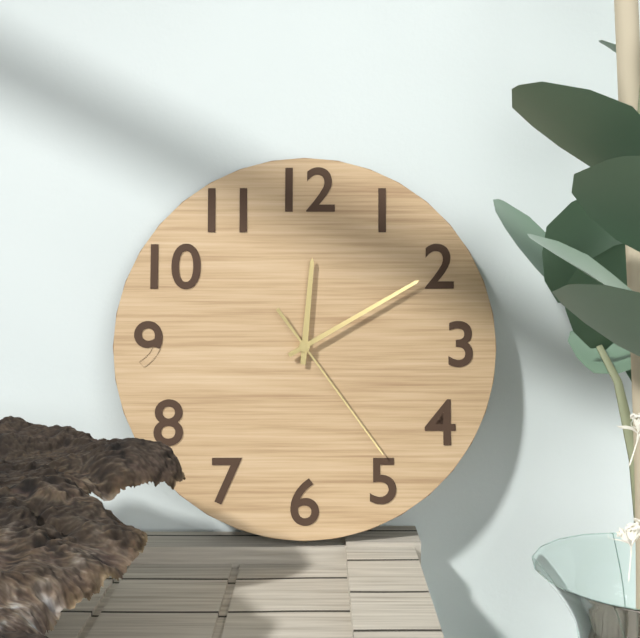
12:10:24
